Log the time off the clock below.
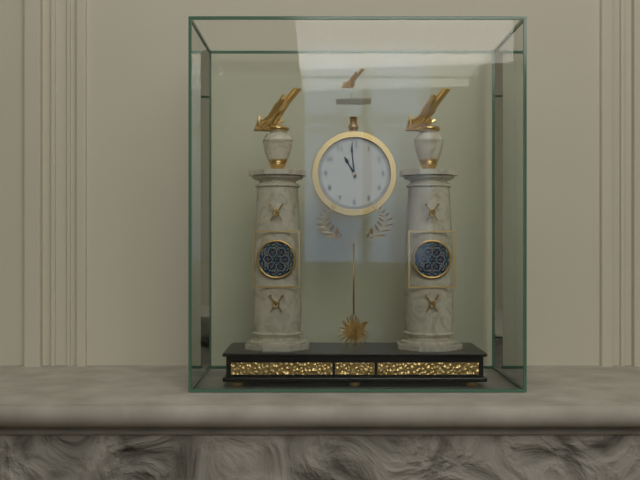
10:59
